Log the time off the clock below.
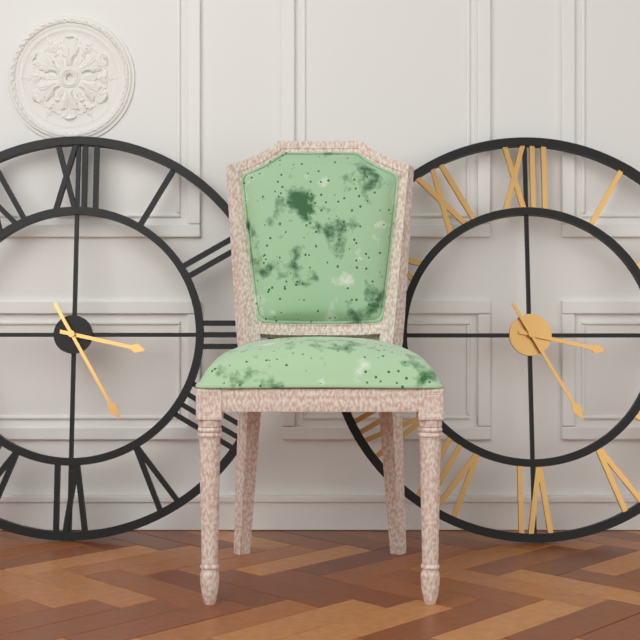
3:25
